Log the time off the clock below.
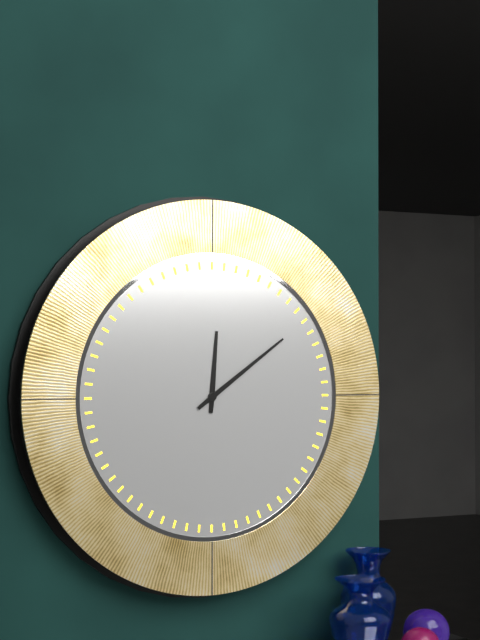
12:09
